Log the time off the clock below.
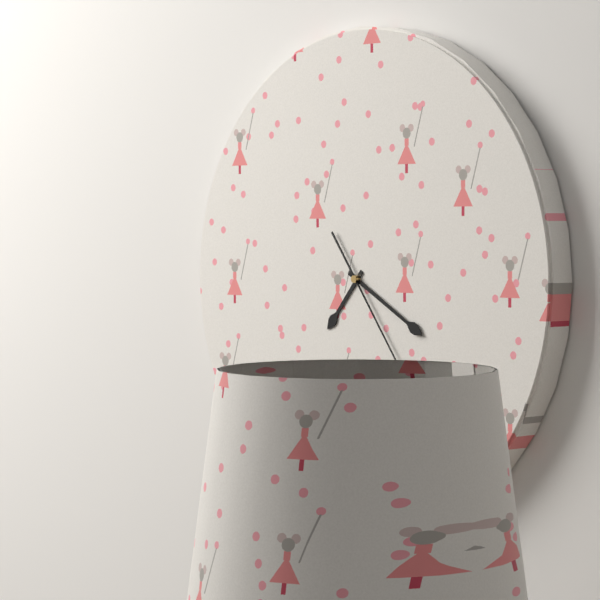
7:20:24
